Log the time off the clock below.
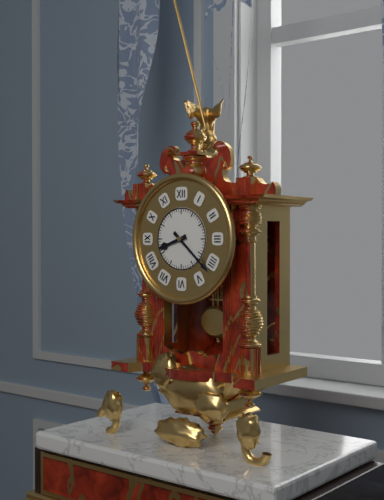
8:22
